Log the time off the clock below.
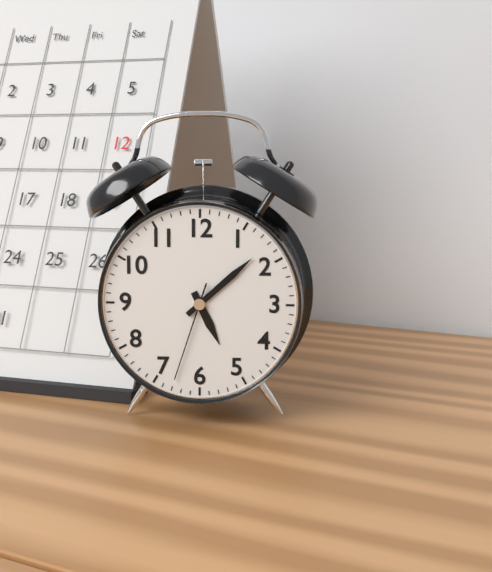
5:08:33
